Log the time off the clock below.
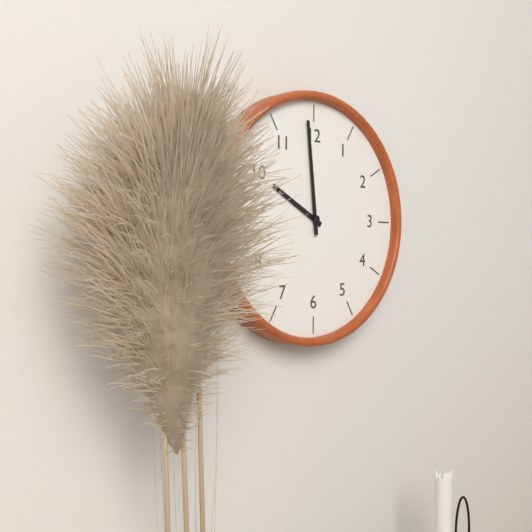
9:59
